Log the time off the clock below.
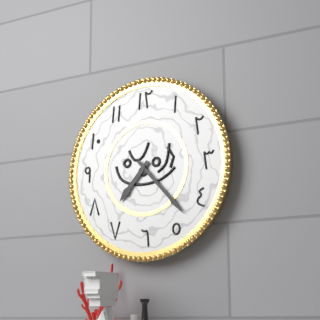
7:23
